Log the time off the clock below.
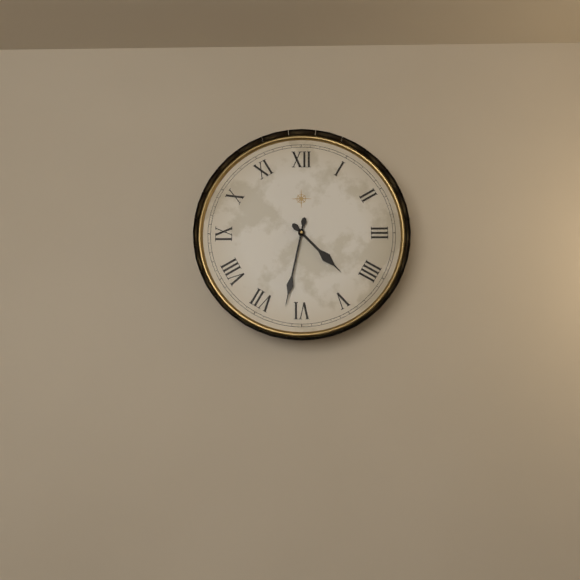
4:32
